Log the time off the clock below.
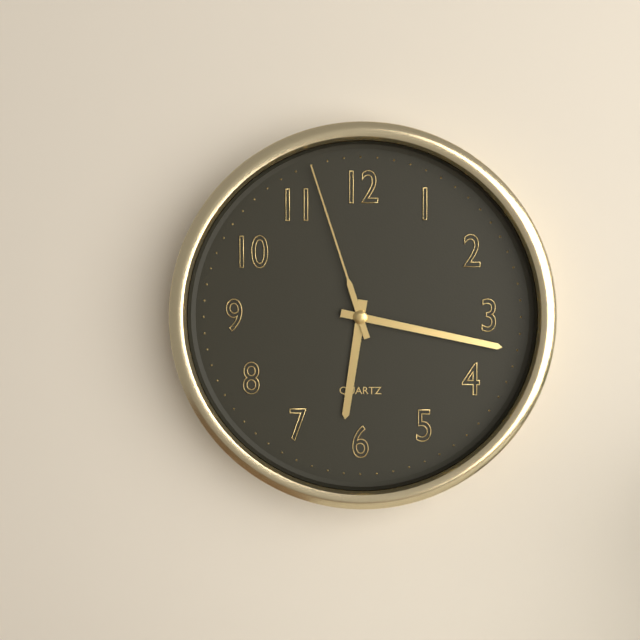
6:17:57
